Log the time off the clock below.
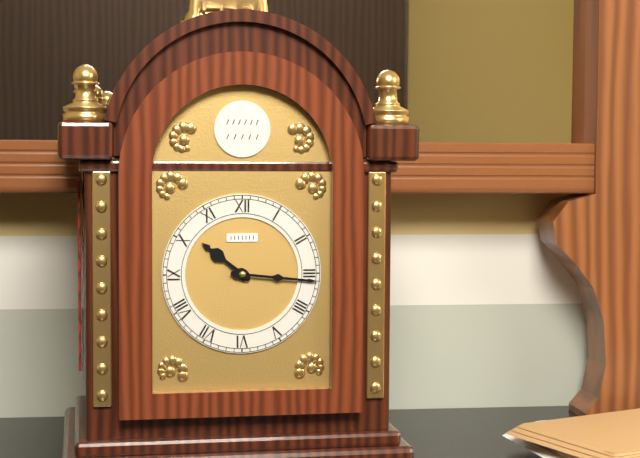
10:16
